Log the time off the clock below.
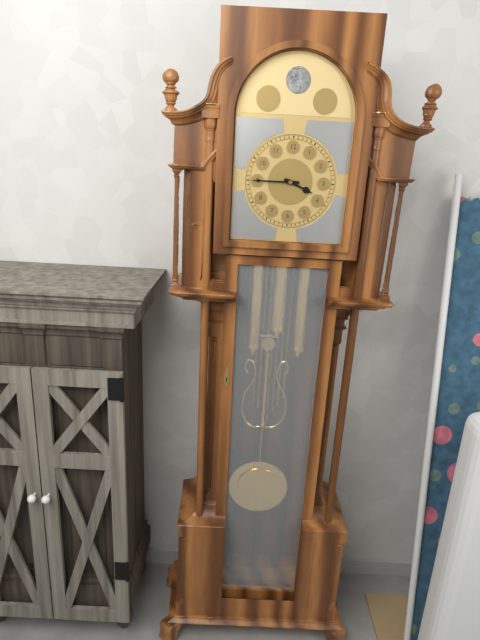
3:45
